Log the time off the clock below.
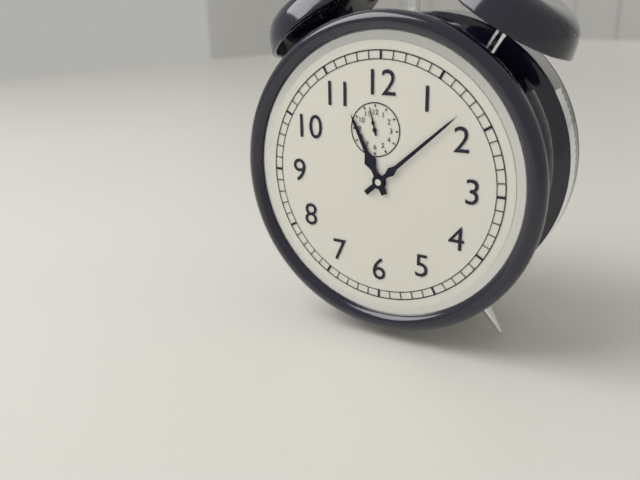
11:08
